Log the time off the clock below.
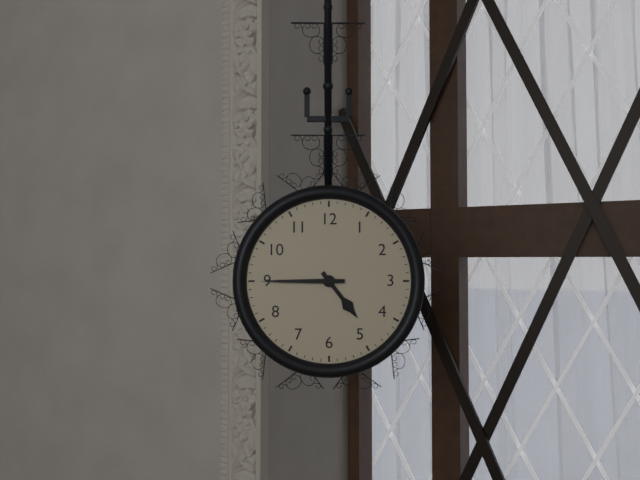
4:45
